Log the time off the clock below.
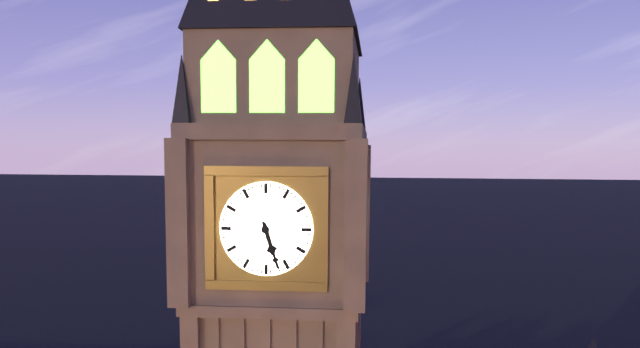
5:27
